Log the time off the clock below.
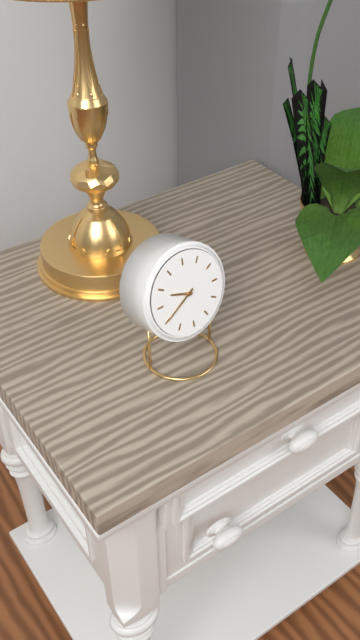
9:40
